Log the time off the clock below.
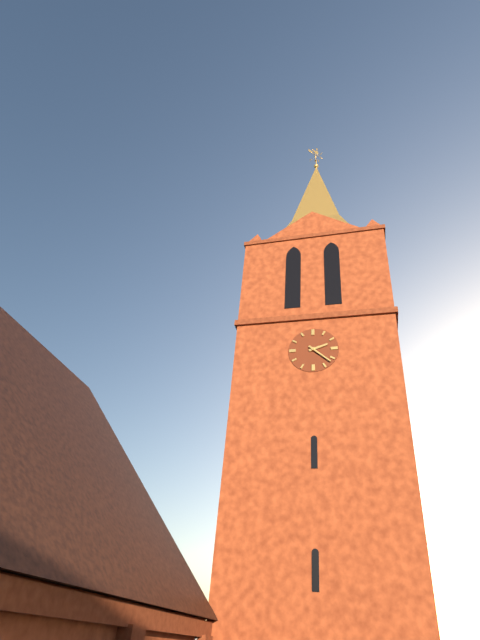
2:22
